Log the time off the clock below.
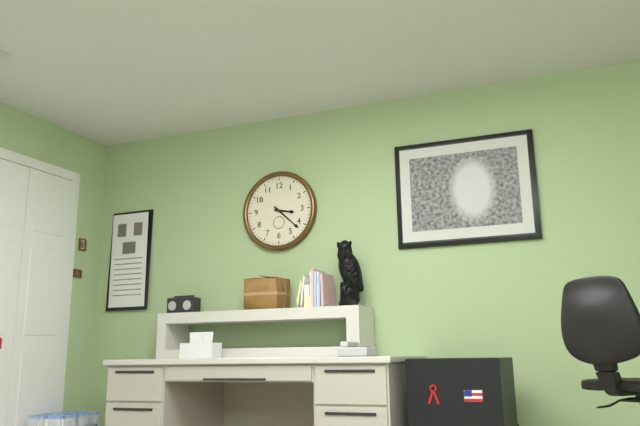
3:22
